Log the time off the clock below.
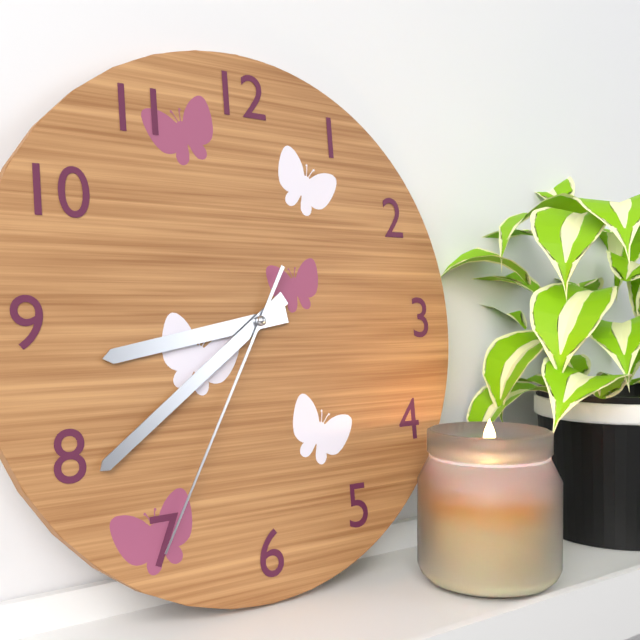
8:39:35
